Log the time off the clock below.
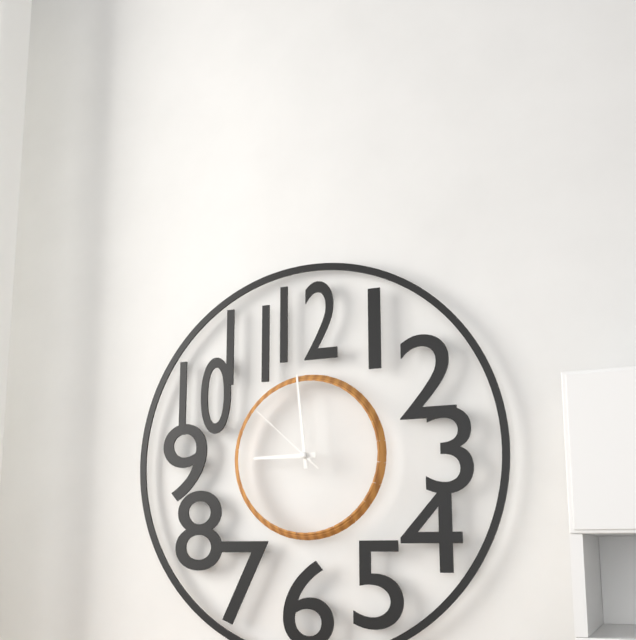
8:59:52
